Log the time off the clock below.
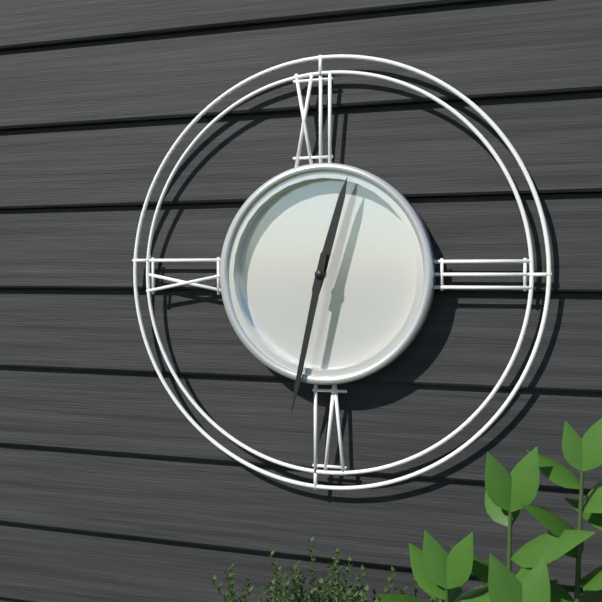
12:32
